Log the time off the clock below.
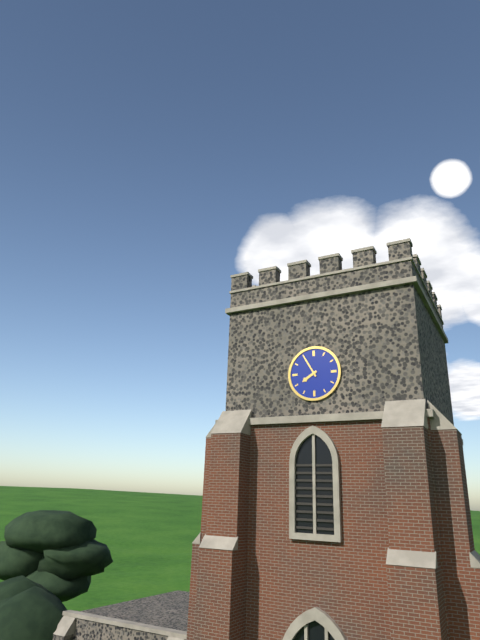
7:55
